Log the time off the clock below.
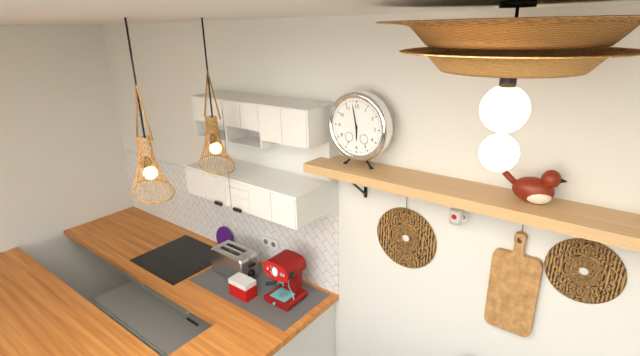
5:58
